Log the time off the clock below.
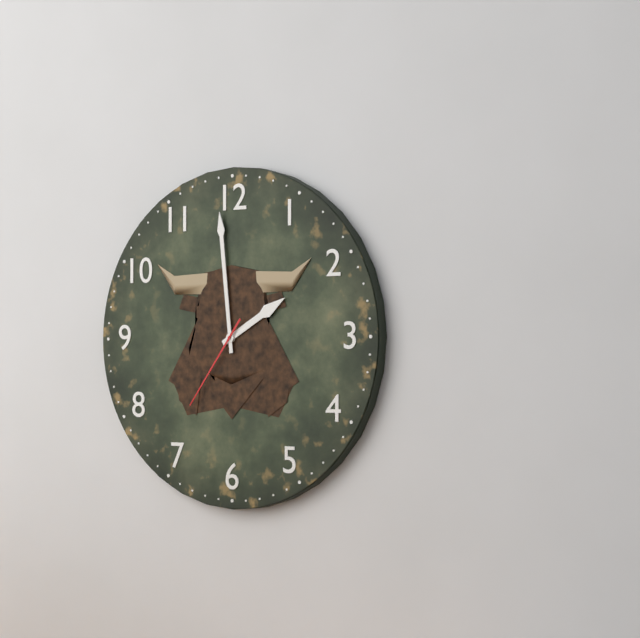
1:59:36
